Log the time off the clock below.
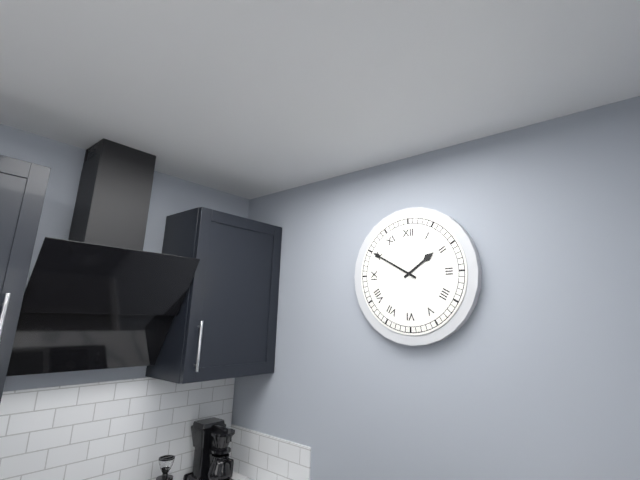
1:50
